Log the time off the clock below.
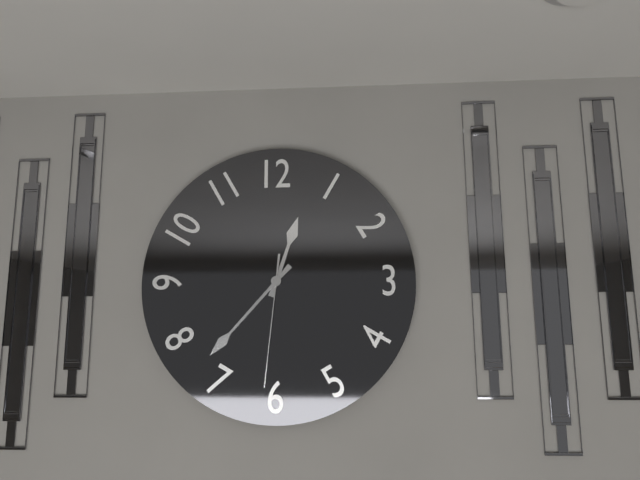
12:37:31
